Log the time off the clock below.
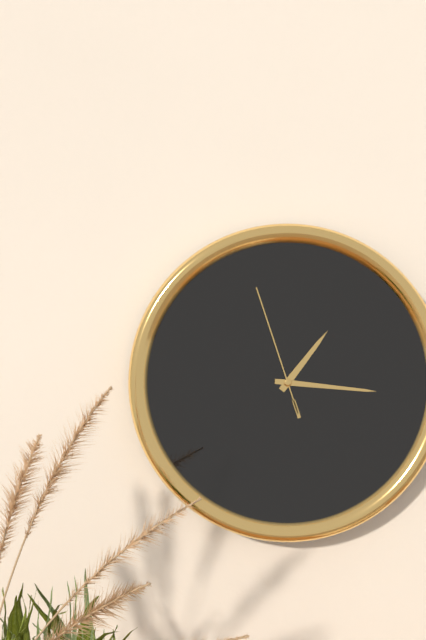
1:16:57
